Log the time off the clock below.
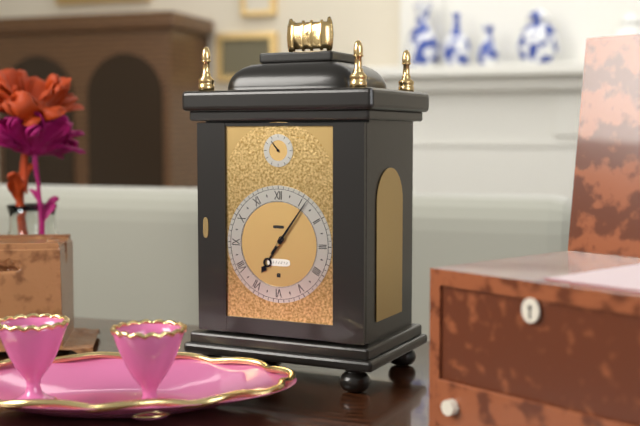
7:06
